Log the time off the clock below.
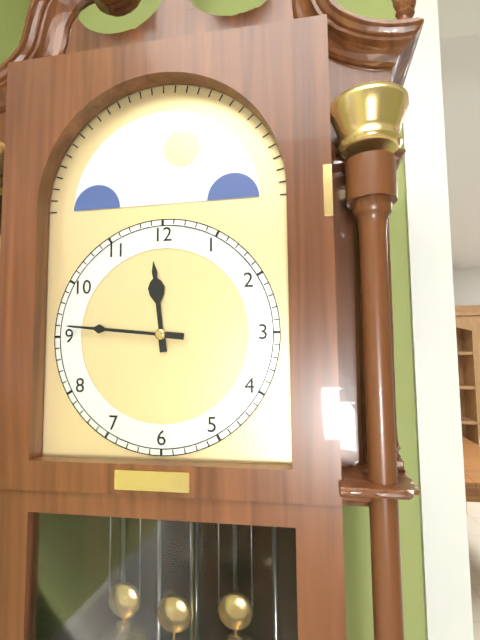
11:46
